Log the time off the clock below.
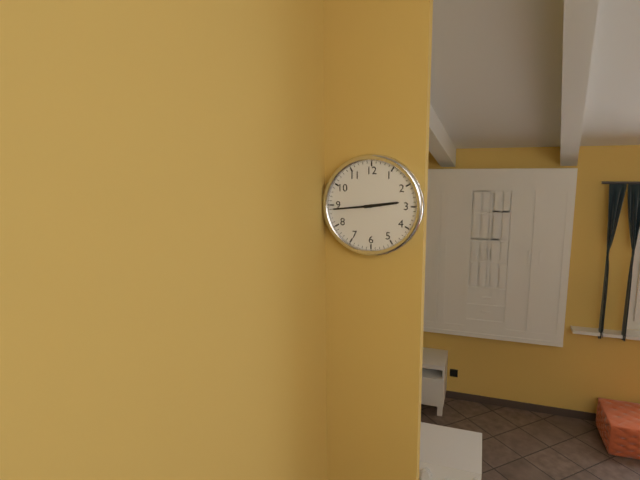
2:44
